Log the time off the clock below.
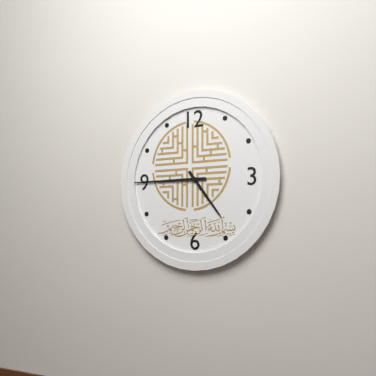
4:45
